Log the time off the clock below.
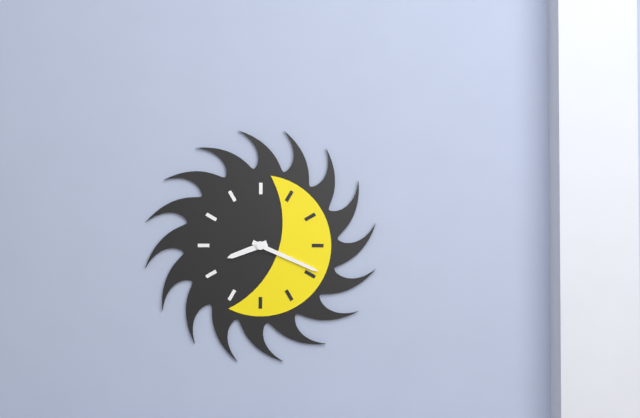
8:19
